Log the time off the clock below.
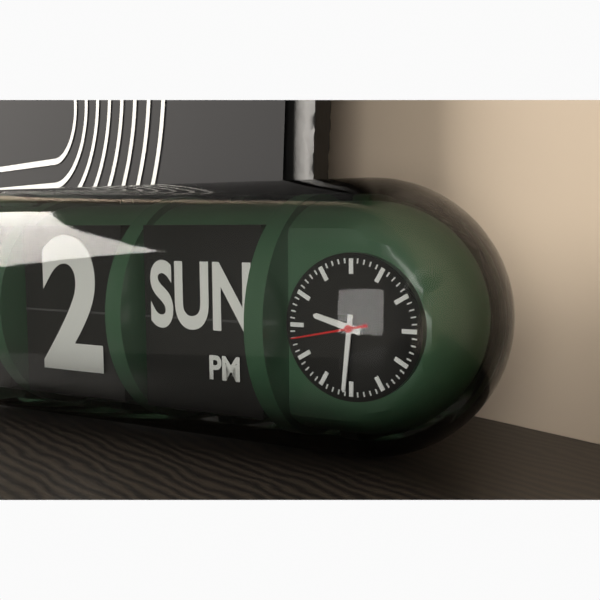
9:31:43
